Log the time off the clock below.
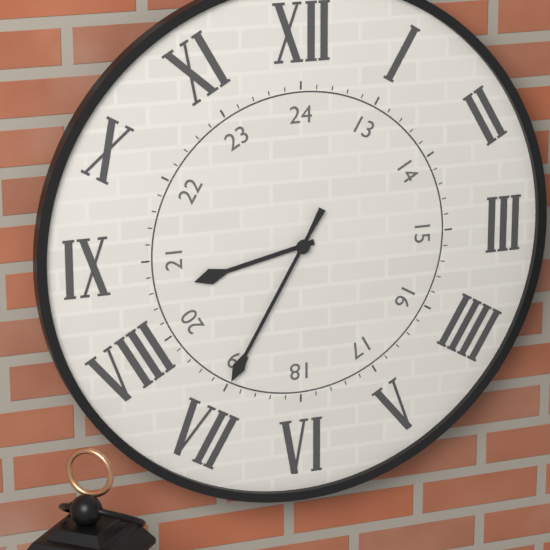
8:35
